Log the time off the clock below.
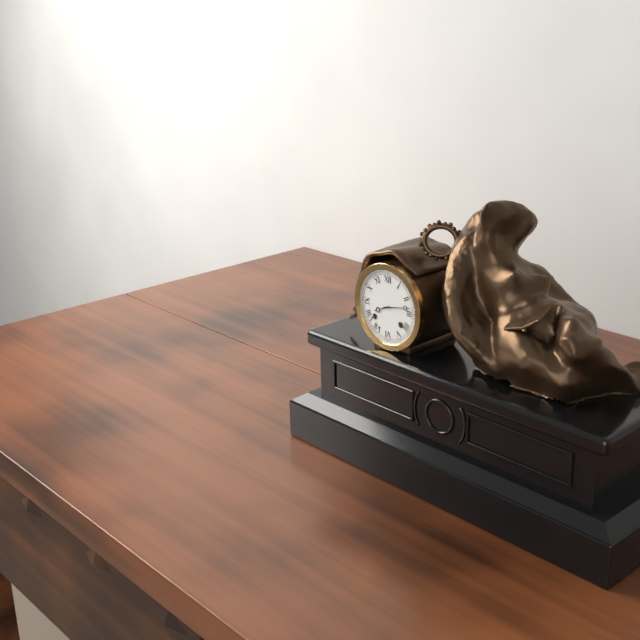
8:13
